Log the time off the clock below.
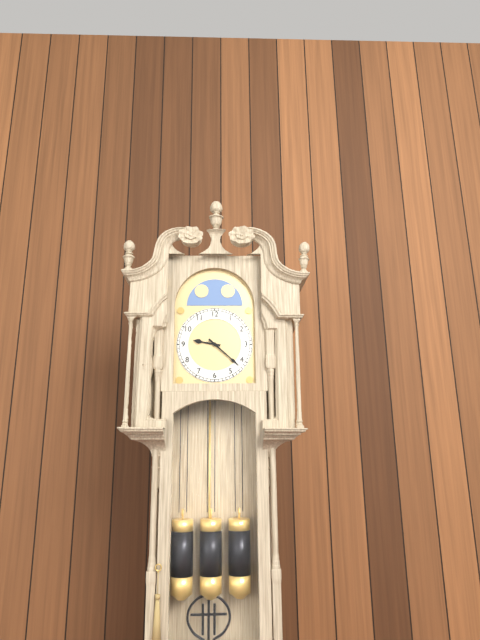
9:22
